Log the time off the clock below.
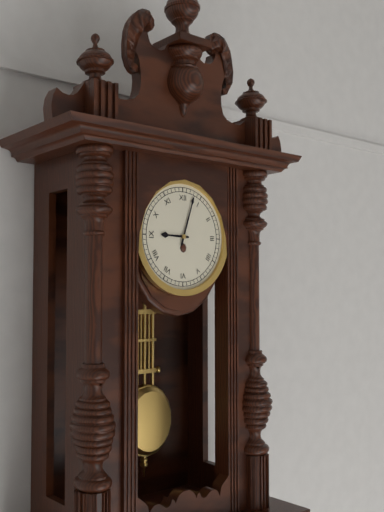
9:03
